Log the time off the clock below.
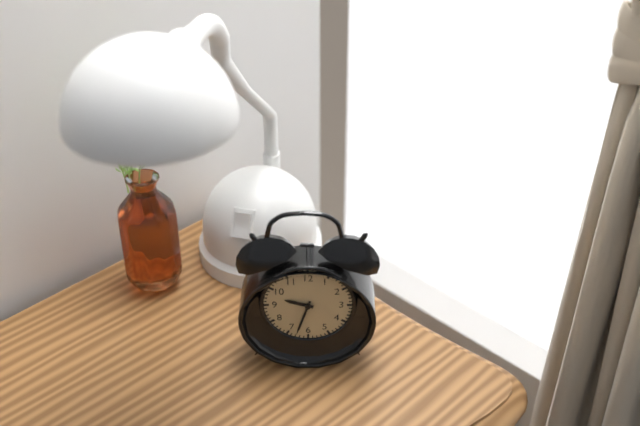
9:33
